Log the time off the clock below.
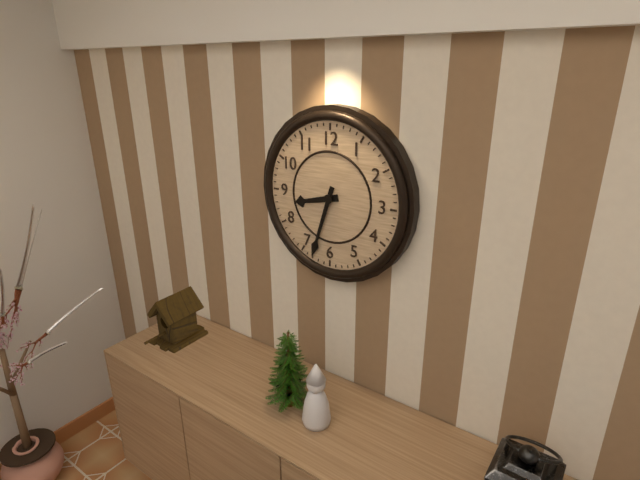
8:33
